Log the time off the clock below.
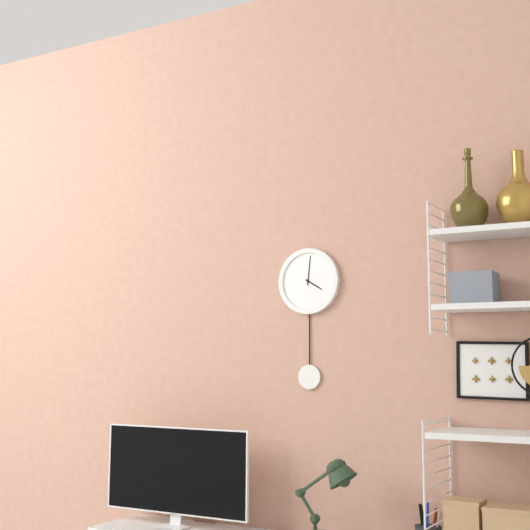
4:01
